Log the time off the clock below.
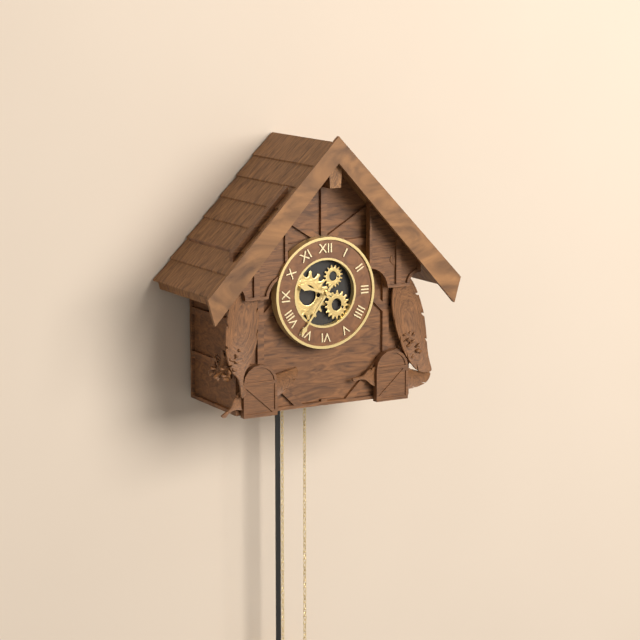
9:36
